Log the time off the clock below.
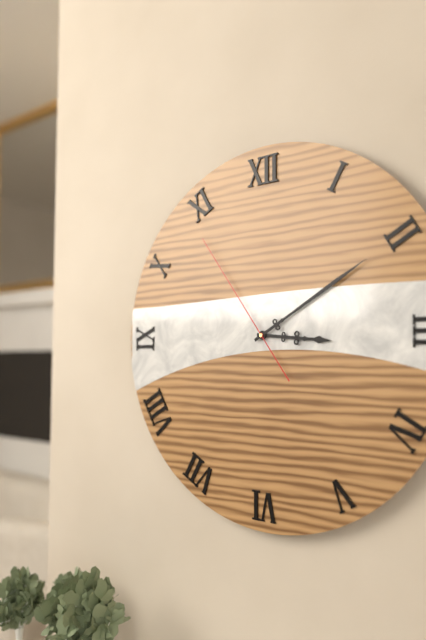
3:10:54
